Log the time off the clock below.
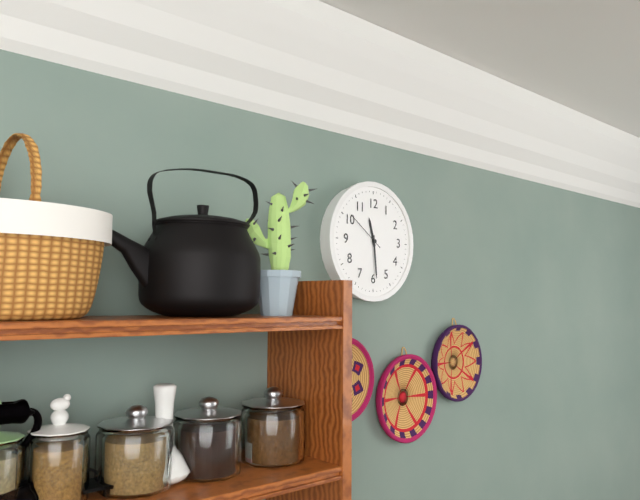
11:29
